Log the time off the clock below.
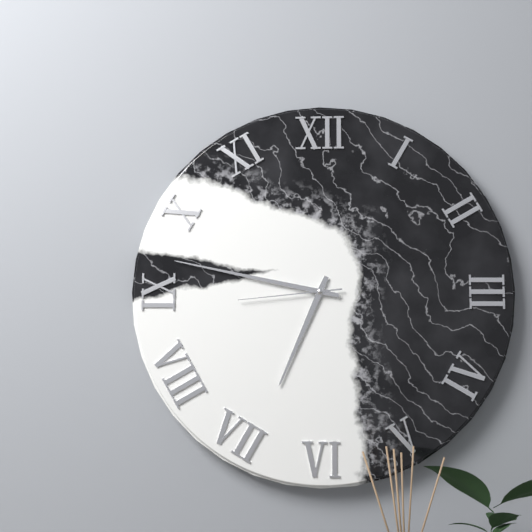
6:47:44
